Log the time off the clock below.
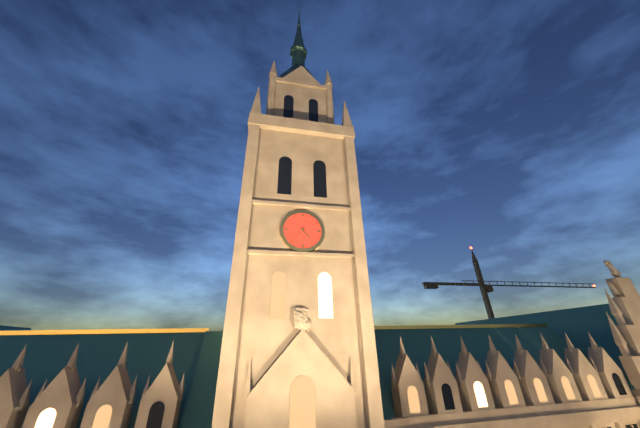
4:36
